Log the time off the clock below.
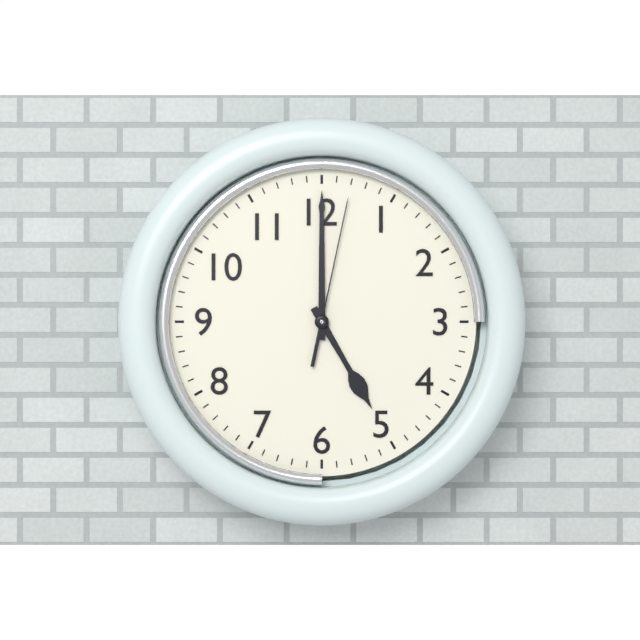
5:00:02
